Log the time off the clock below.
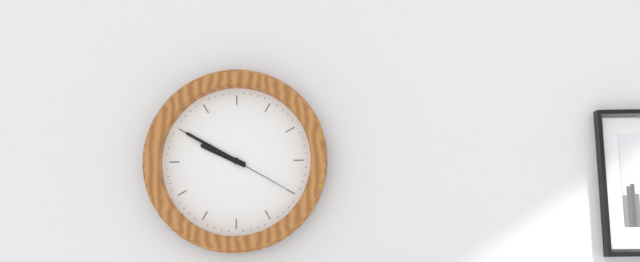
9:50:20
